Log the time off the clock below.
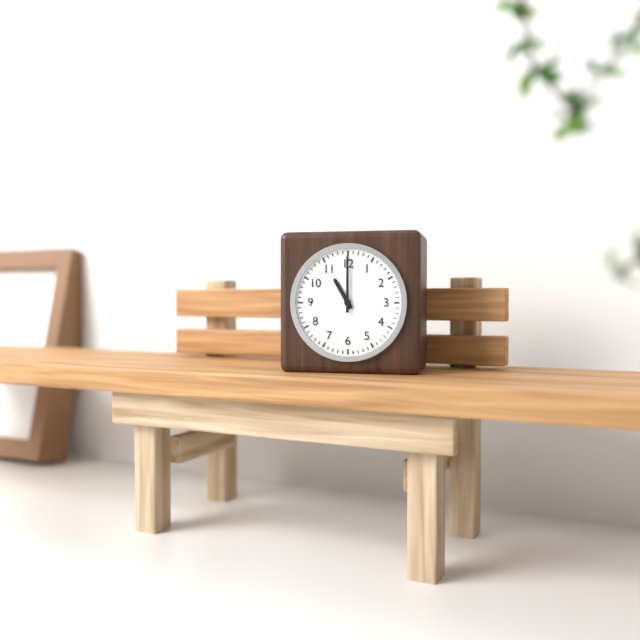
11:00
